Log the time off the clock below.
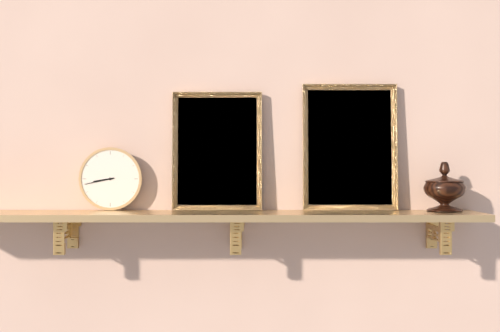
8:43
